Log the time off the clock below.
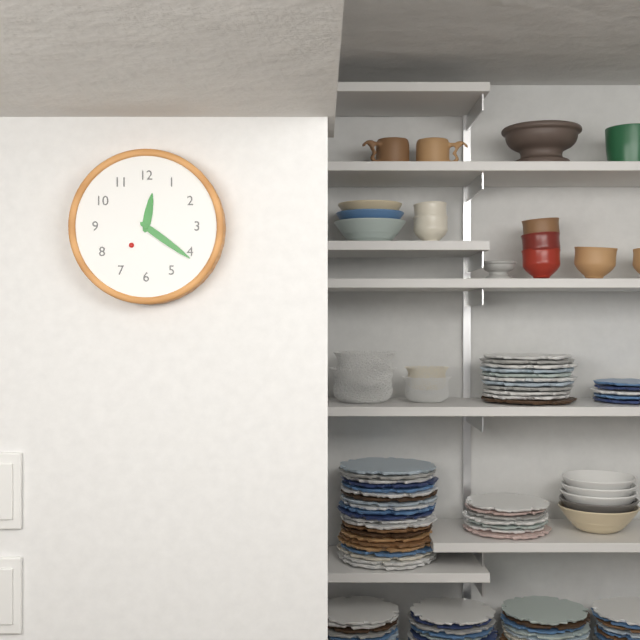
12:21
